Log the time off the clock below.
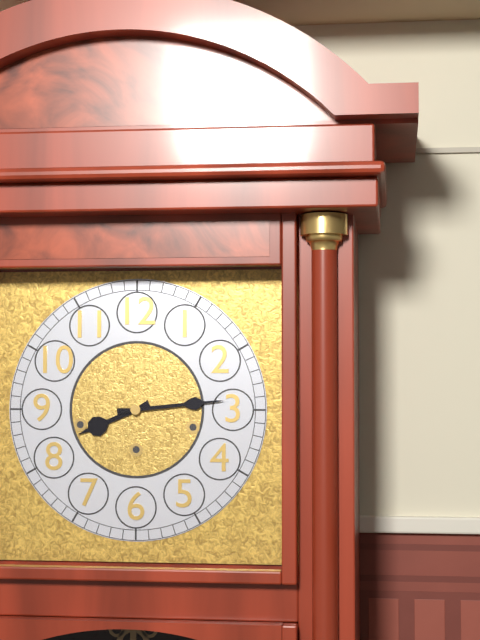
8:14
